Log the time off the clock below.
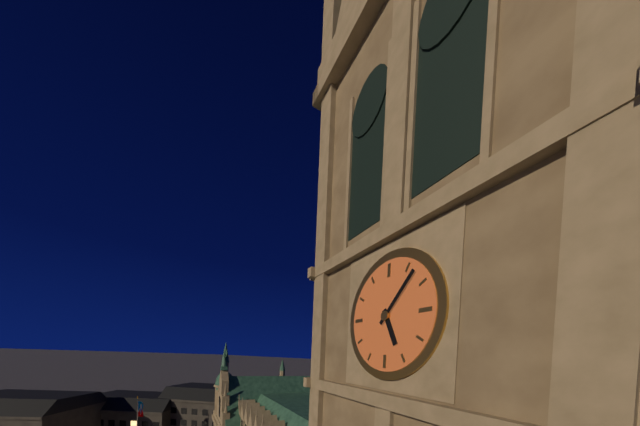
5:07
